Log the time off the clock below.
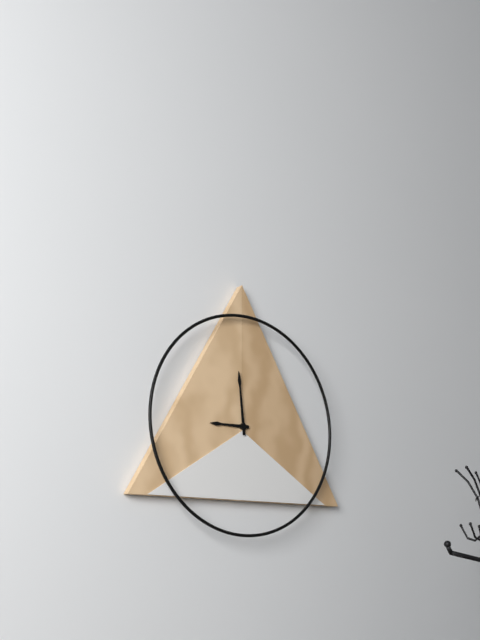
8:59
